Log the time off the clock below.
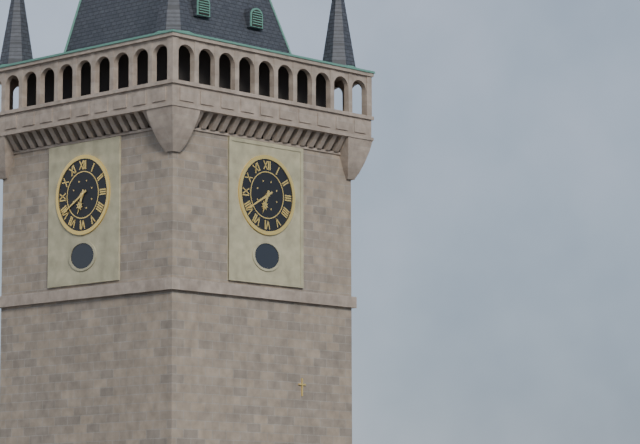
6:40
